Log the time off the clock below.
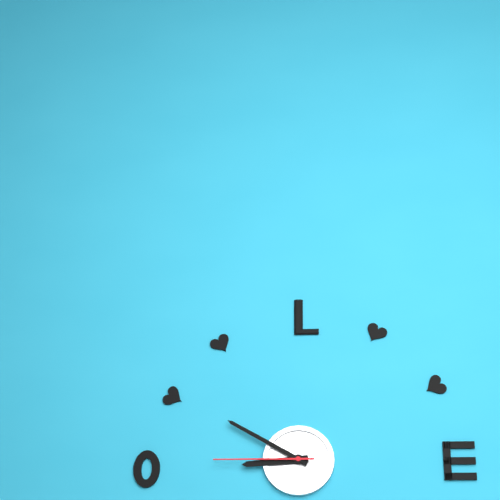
8:50:45
